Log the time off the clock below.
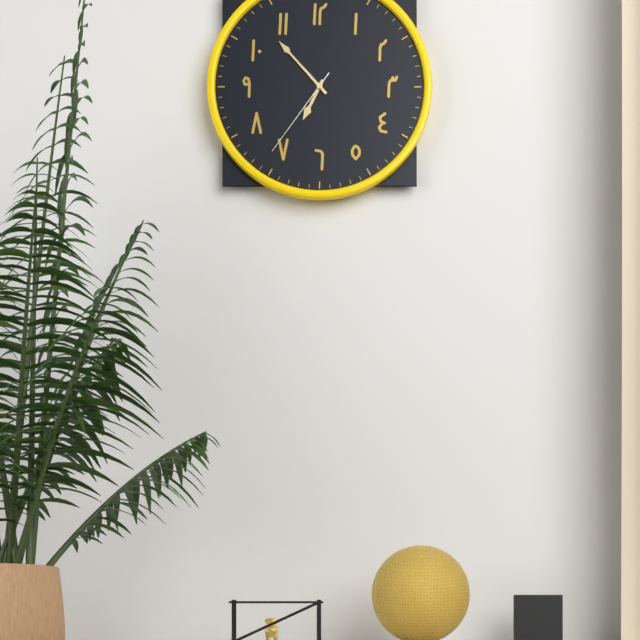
6:53:36
